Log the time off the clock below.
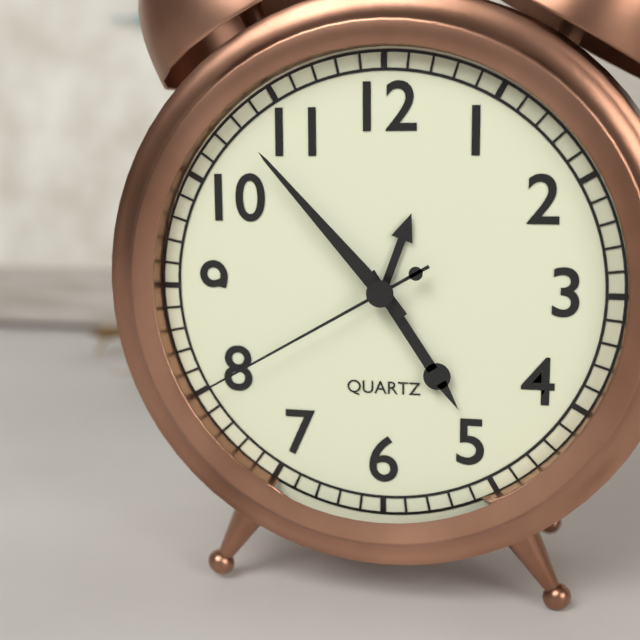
4:53:40
